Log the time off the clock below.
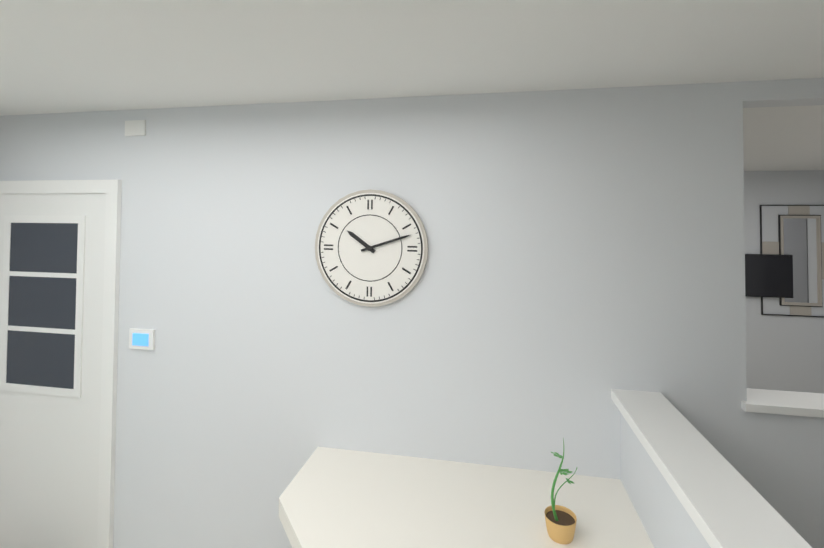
10:12
